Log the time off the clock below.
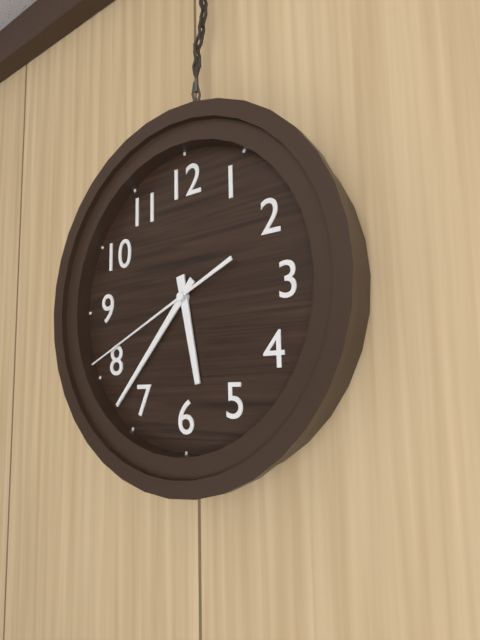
5:37:41
